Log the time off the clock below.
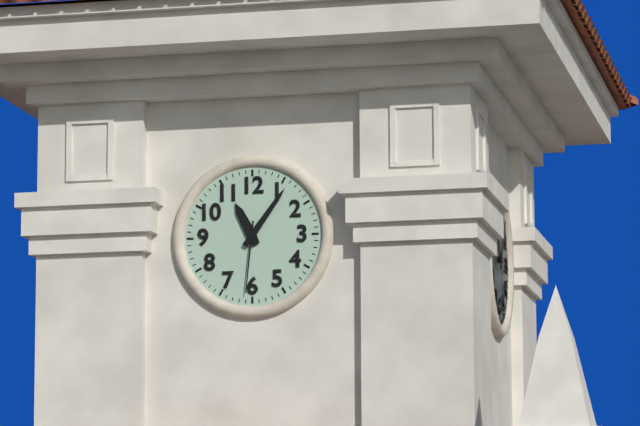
11:06:31
